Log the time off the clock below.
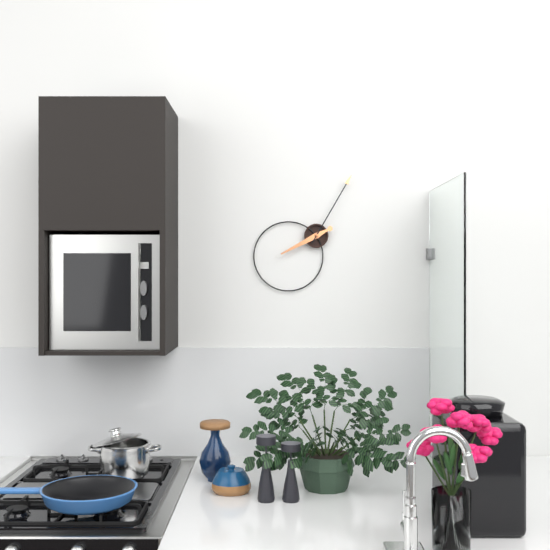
8:05
